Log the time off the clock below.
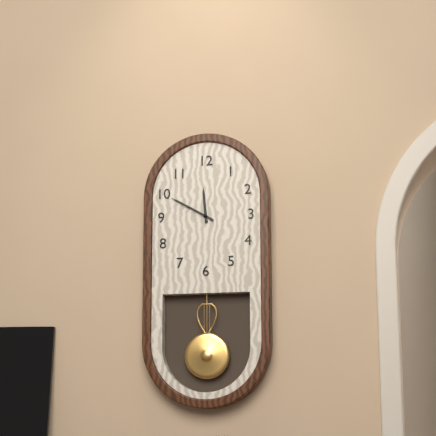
11:50
